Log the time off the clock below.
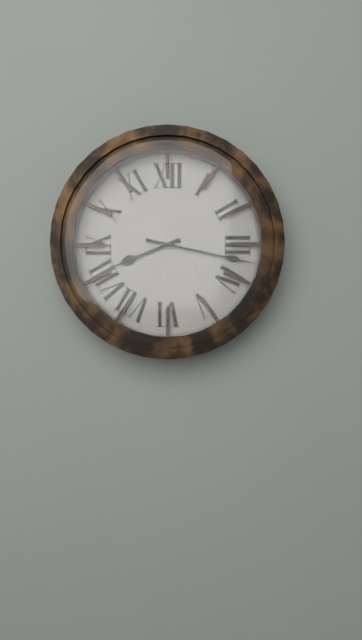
8:17
